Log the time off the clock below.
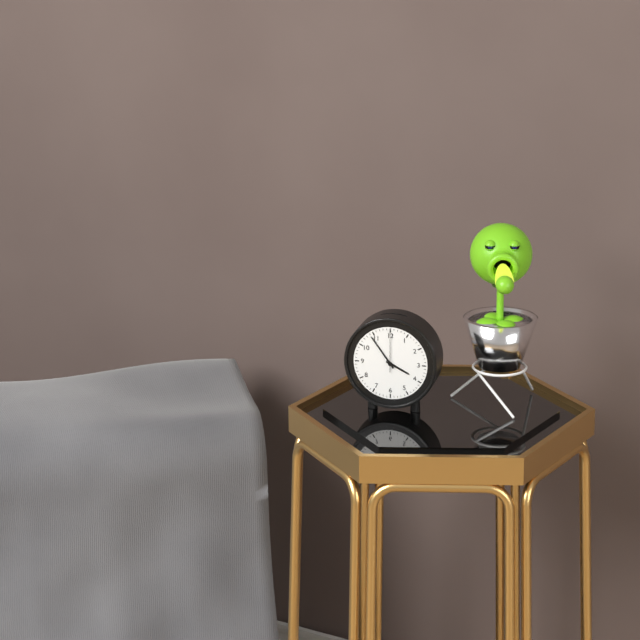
3:54
